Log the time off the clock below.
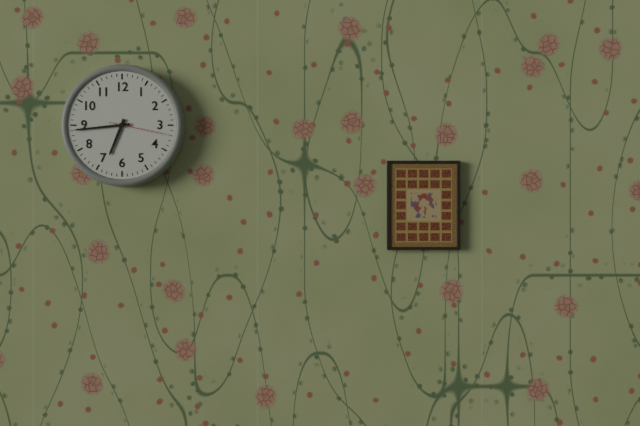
6:44:17
